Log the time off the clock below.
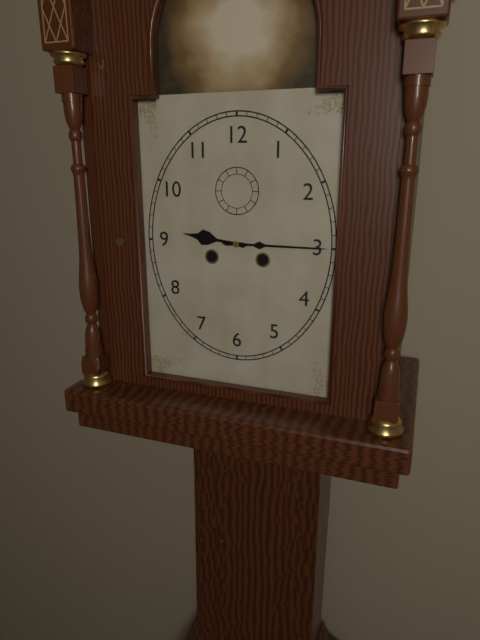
9:15
